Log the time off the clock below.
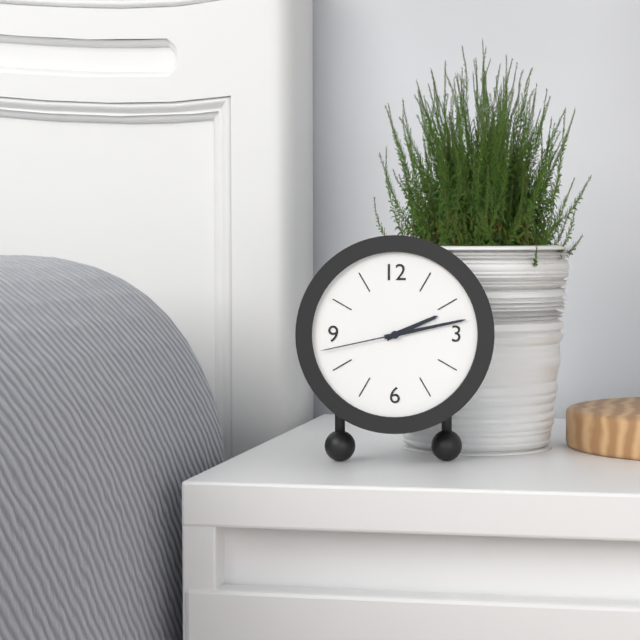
2:13:43
